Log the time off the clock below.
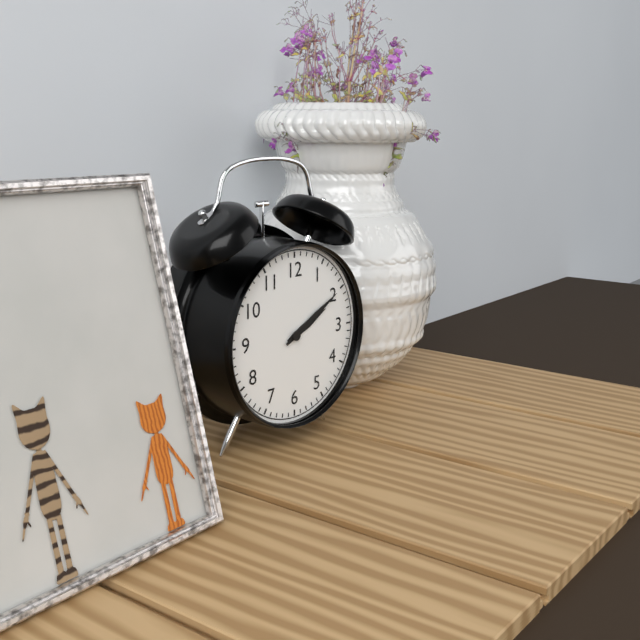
2:10
